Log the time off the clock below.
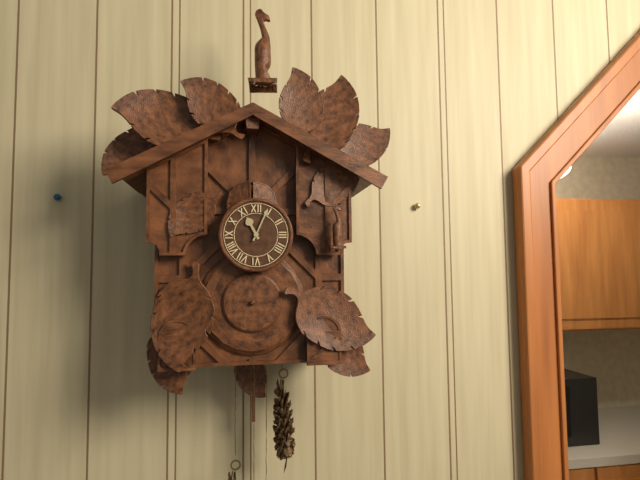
11:04
